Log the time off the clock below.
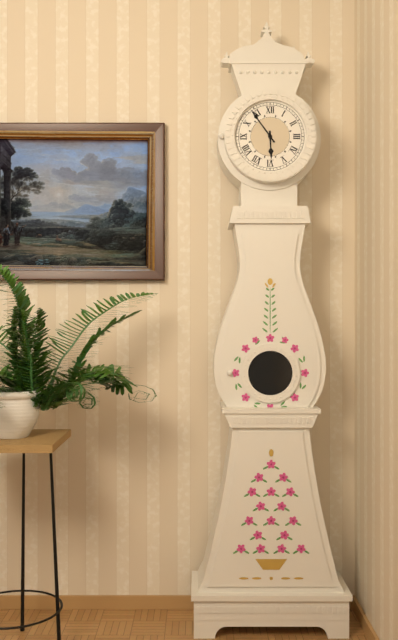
5:54
